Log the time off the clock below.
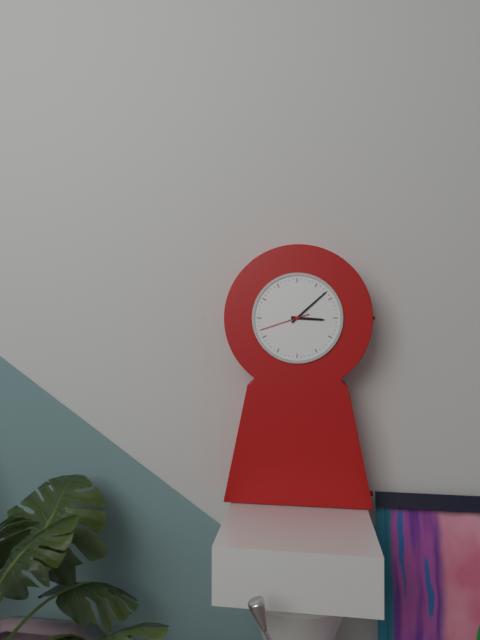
3:08:42
